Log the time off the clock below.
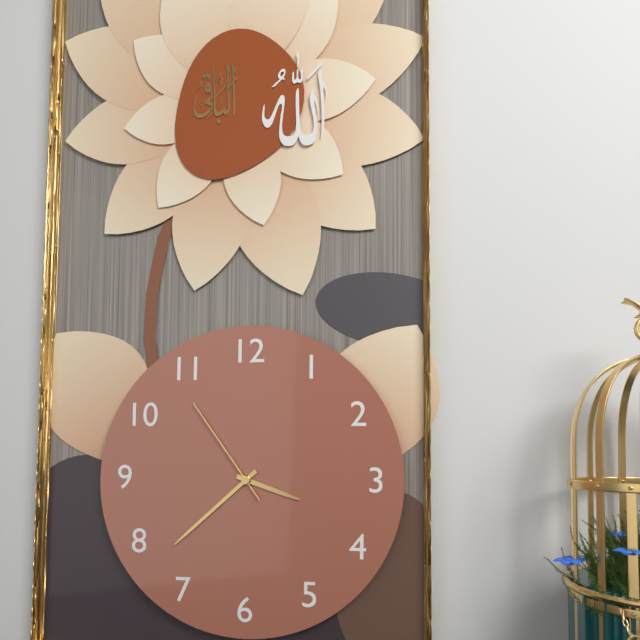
3:38:54
